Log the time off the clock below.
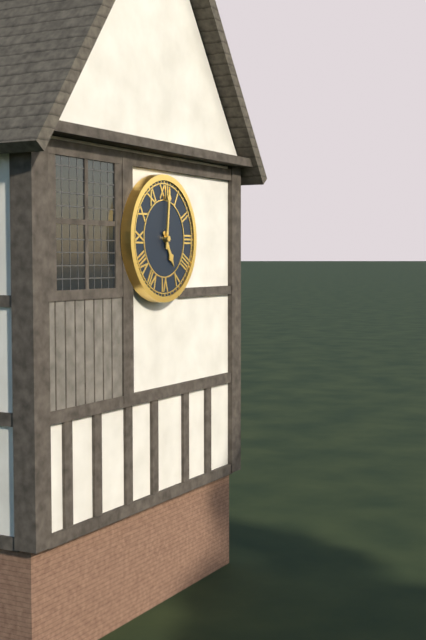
5:01
